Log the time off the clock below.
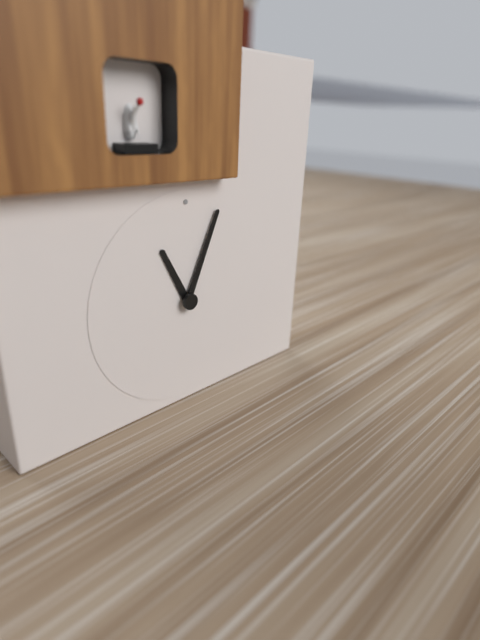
11:04
